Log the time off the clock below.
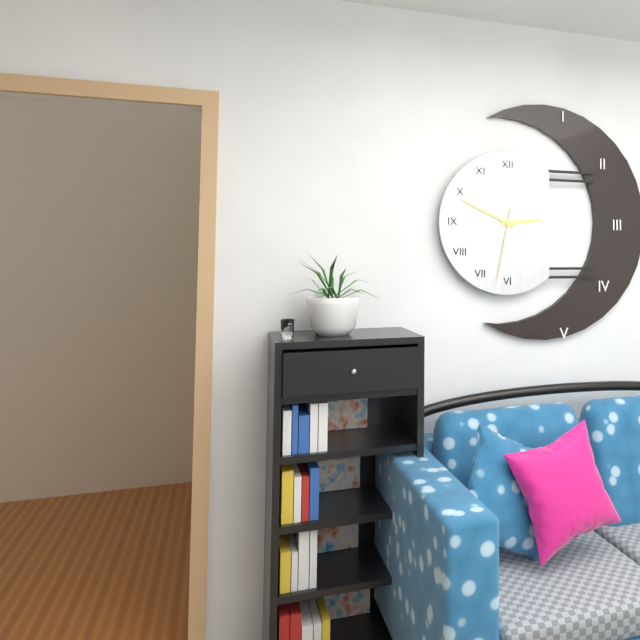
2:49:32
